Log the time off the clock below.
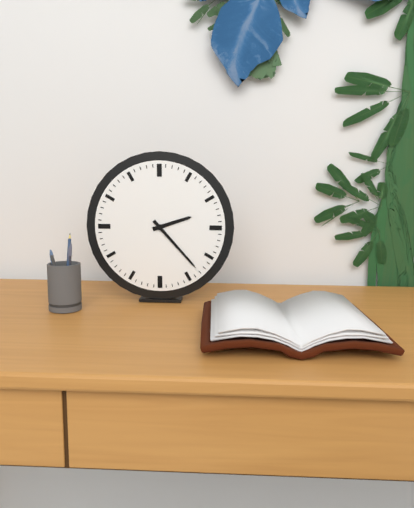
2:23
